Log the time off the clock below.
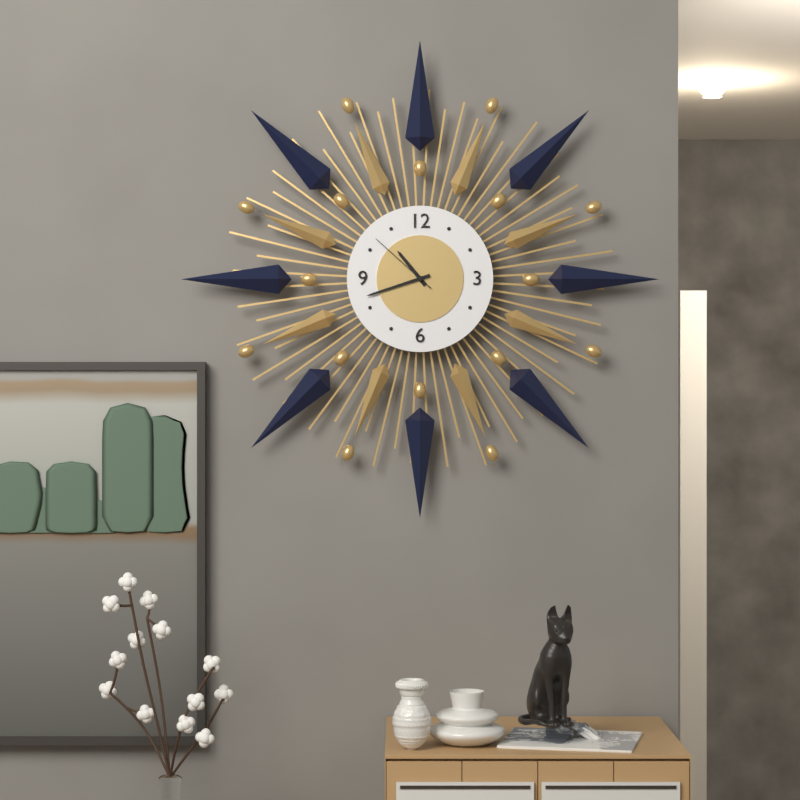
10:42:52
